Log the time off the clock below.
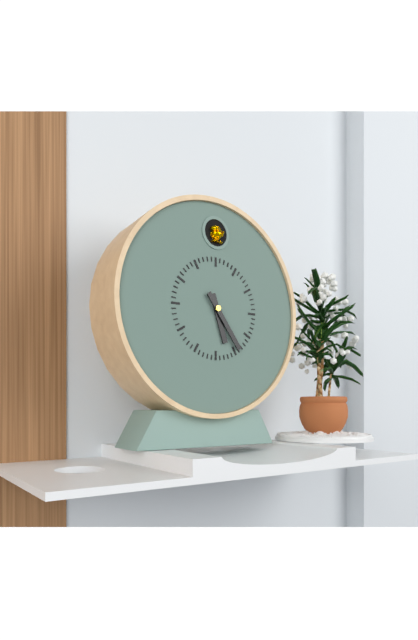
5:24
